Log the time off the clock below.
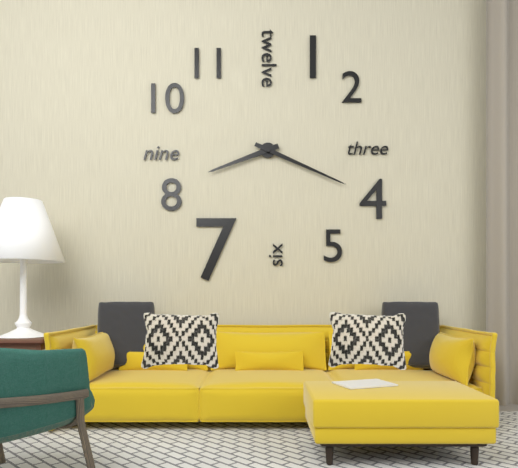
8:19
